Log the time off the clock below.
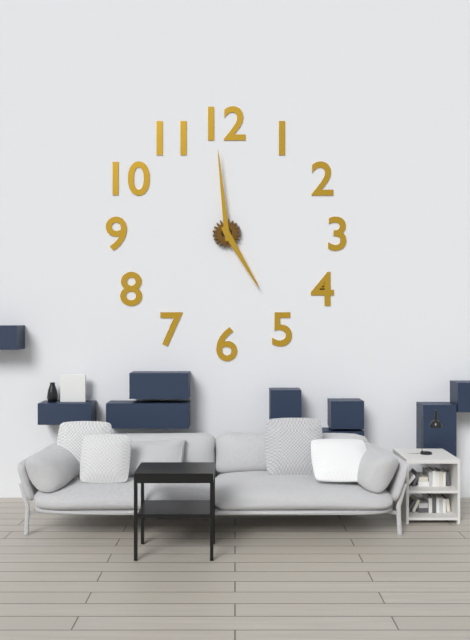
4:59
